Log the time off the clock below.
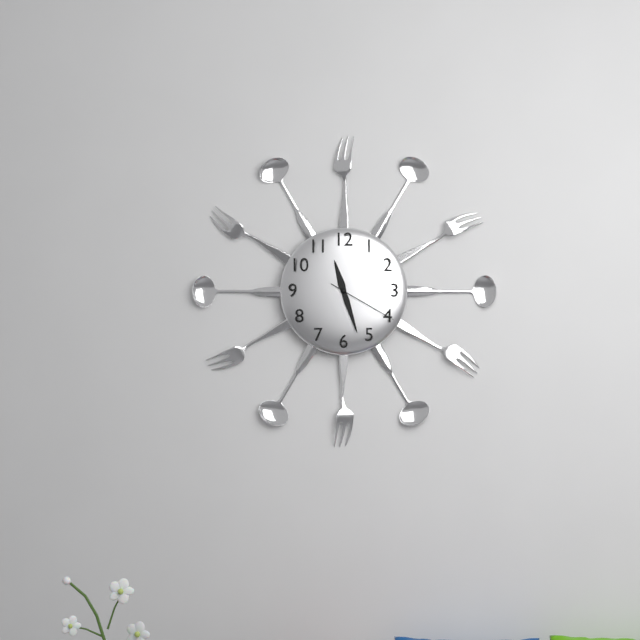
11:27:20
